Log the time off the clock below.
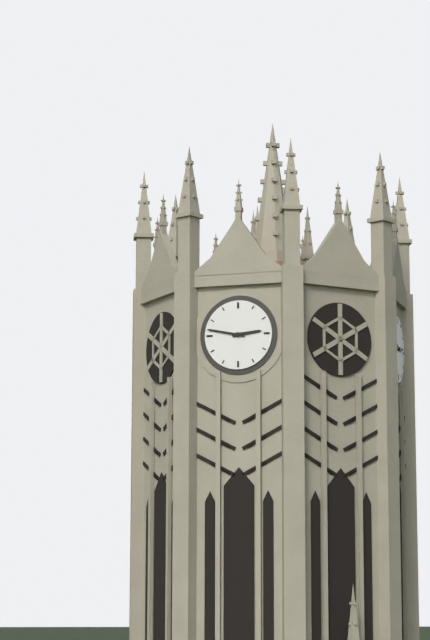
2:47
